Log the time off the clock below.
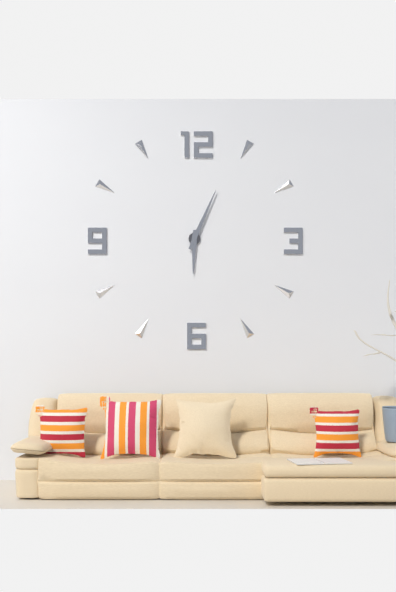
6:04
